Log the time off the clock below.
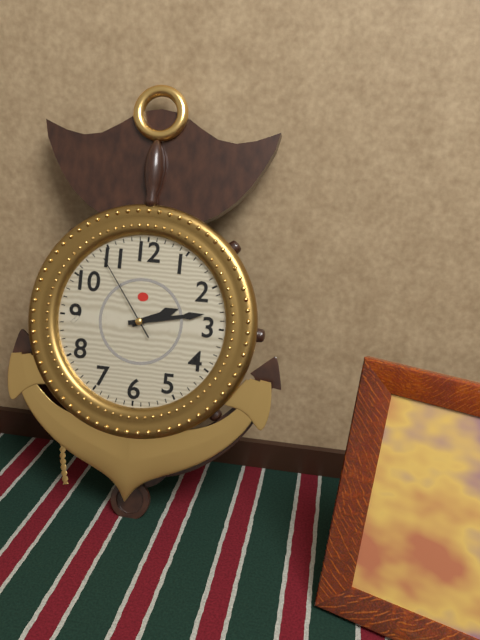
2:13:54
